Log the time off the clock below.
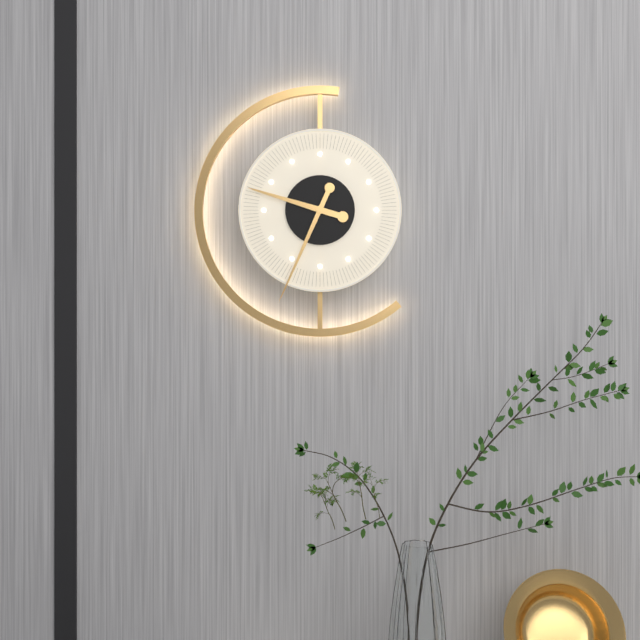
9:34
